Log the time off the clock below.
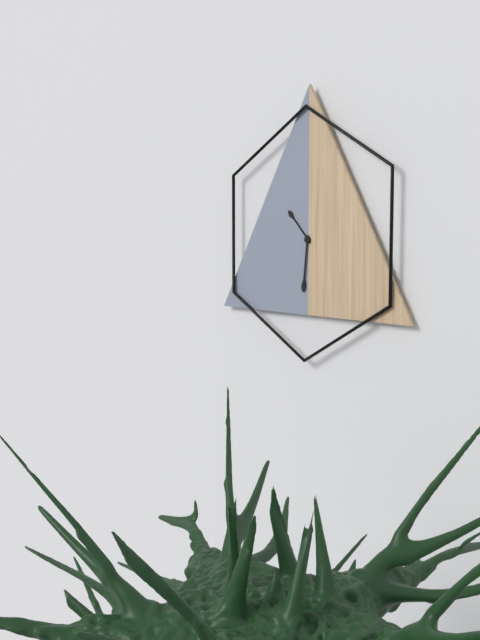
10:31
